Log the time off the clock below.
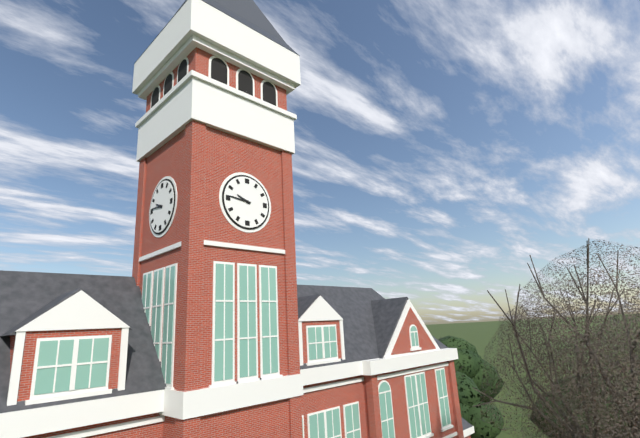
9:46
